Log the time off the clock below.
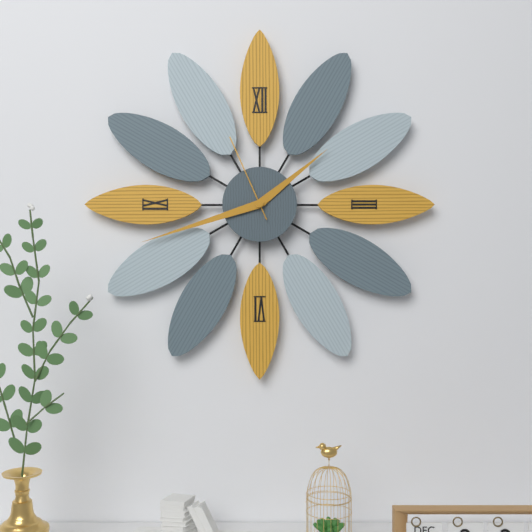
1:42:56
